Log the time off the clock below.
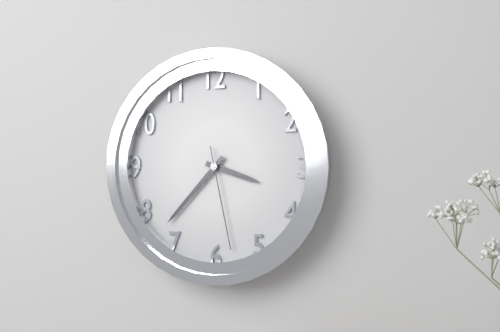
3:37:28
